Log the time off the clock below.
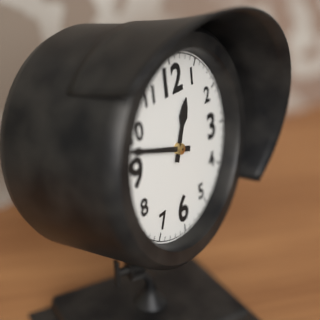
12:48
